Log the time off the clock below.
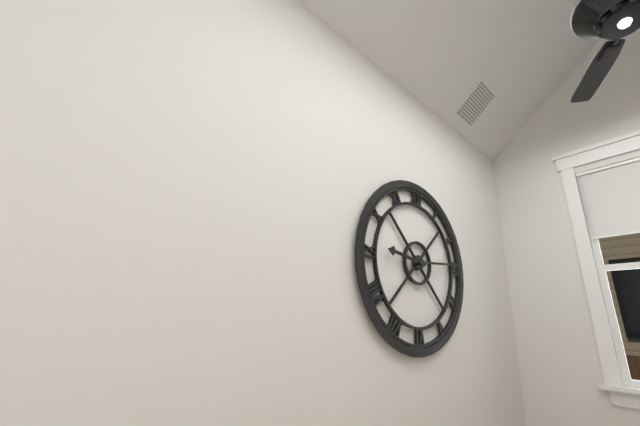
9:14
